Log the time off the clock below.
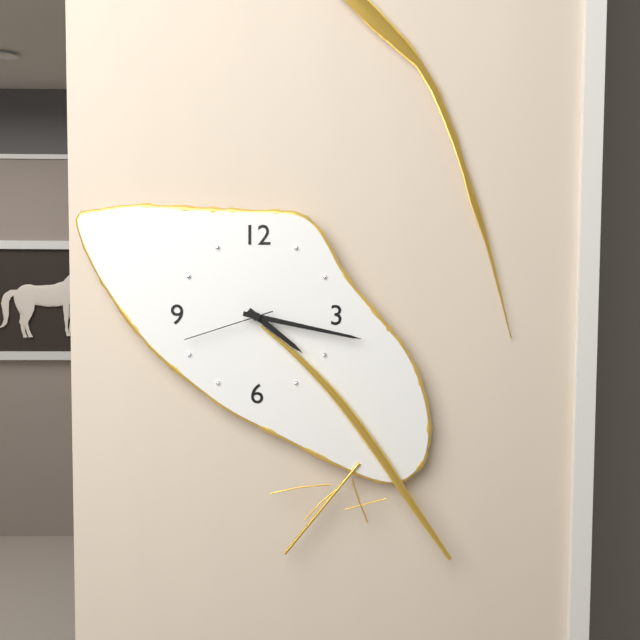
4:17:42
